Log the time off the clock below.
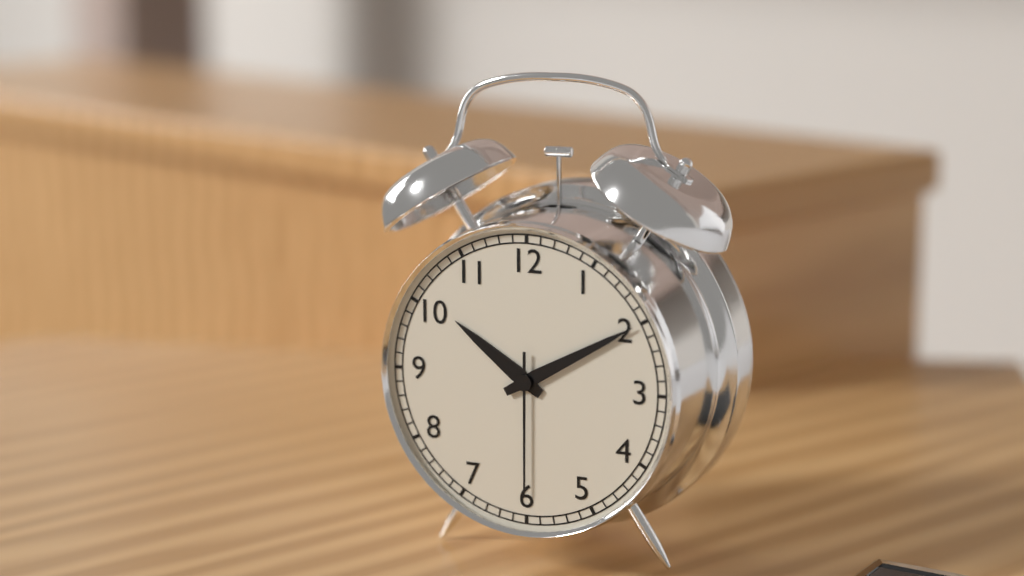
10:10:30
